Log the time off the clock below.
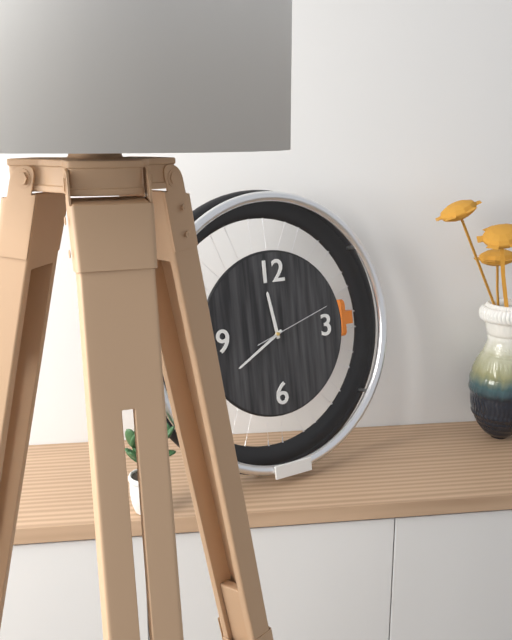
11:40:12
